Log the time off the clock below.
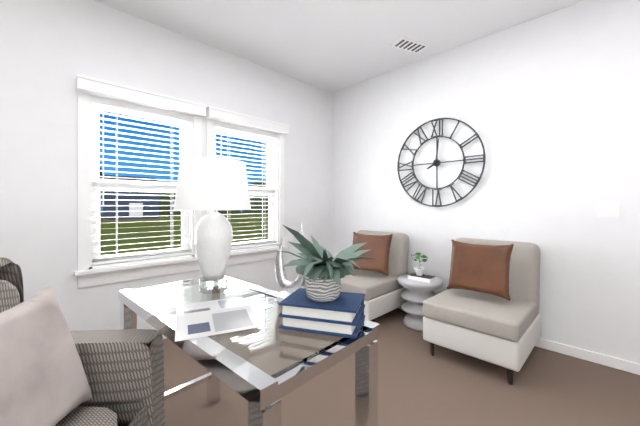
8:01
